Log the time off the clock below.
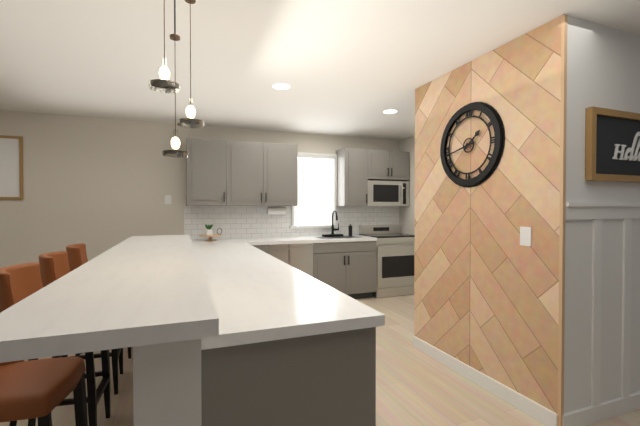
1:43
